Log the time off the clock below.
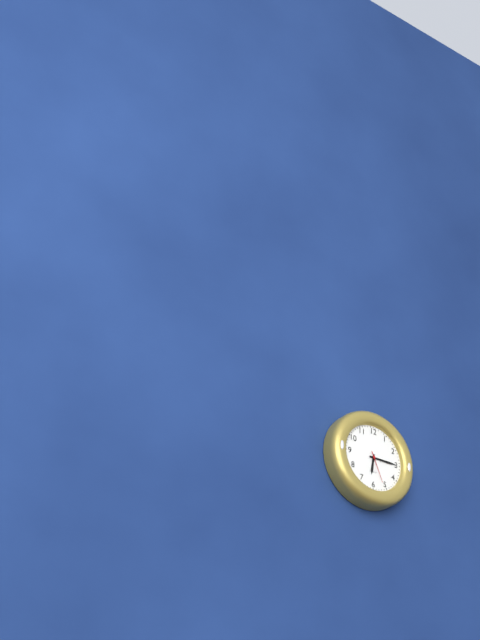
6:15
